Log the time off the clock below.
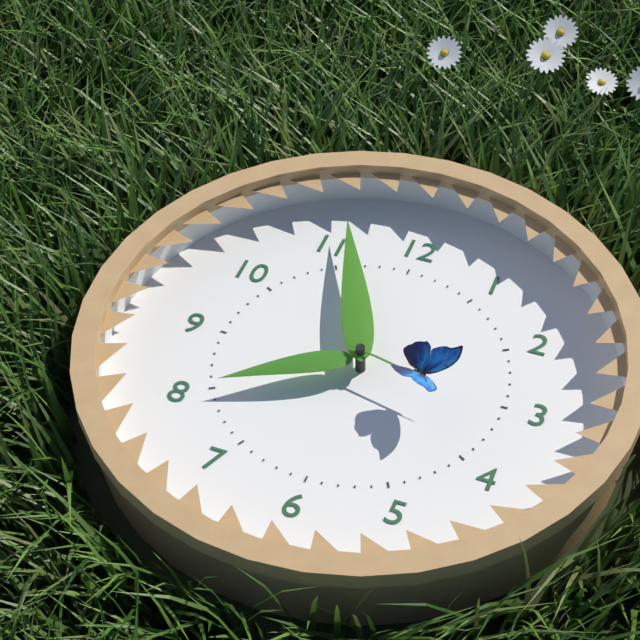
7:56:17
